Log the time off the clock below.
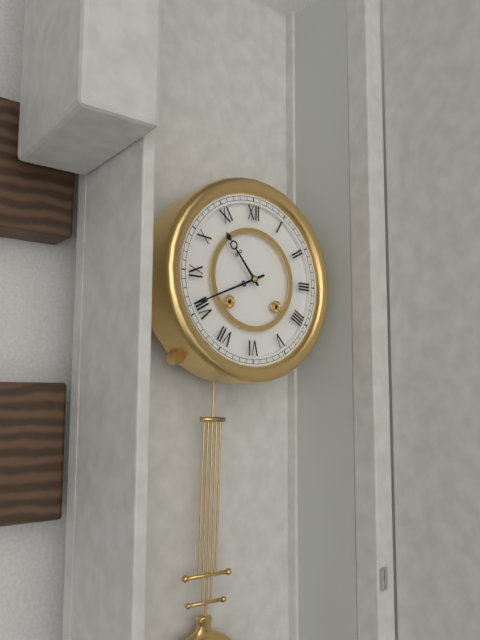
10:41
